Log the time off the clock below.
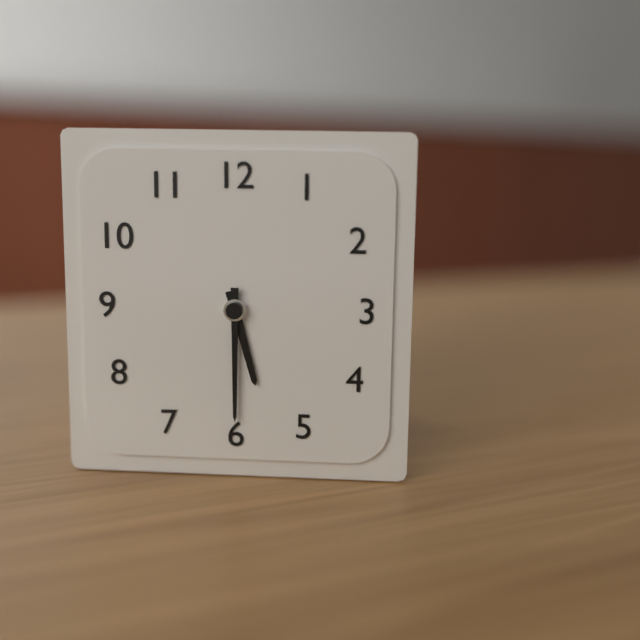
5:30
